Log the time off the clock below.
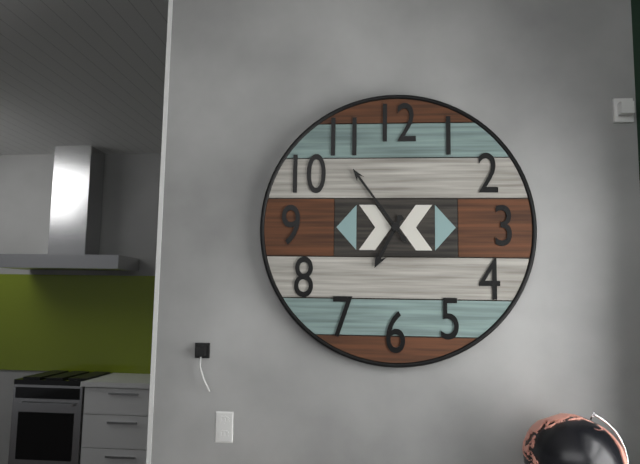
6:54
